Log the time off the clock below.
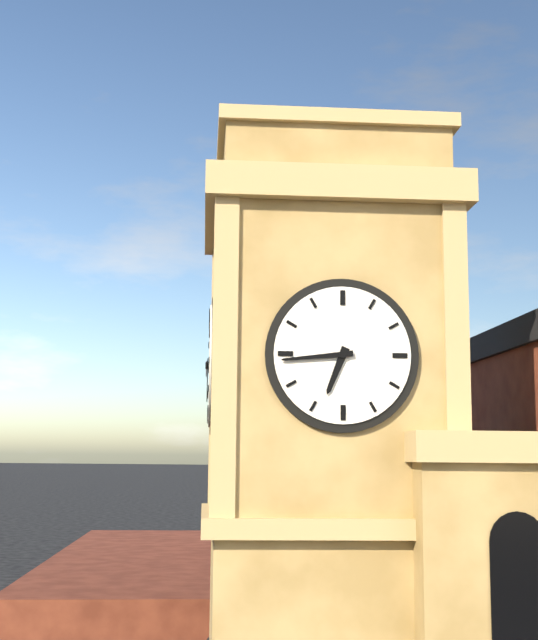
6:44
